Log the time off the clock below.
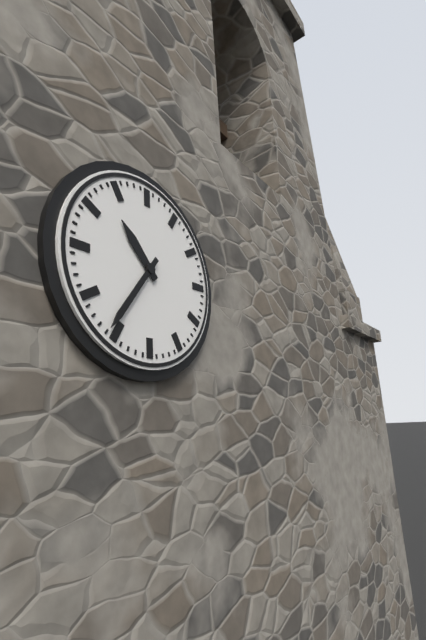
10:36
